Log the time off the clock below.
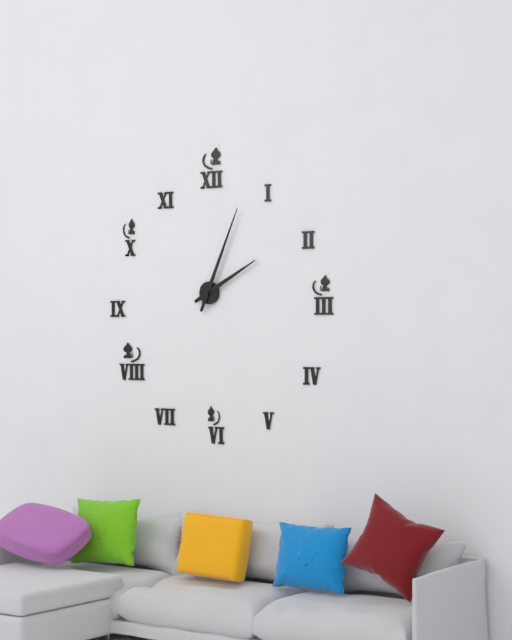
2:04
